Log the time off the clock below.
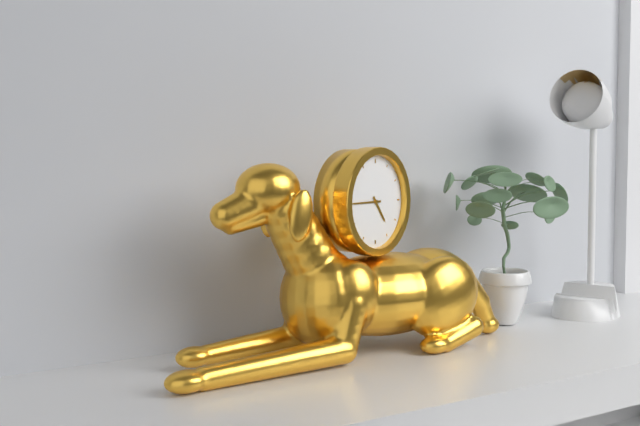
4:45
